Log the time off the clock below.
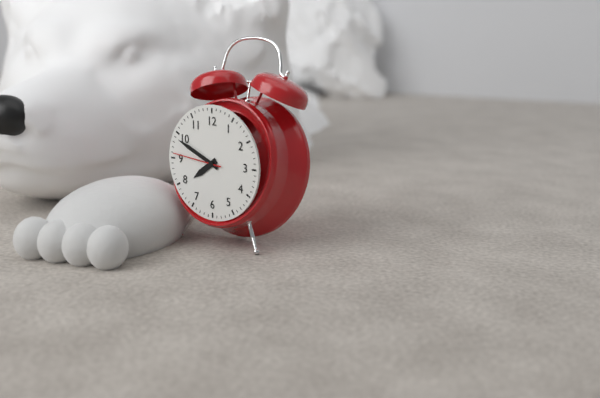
7:49:46
